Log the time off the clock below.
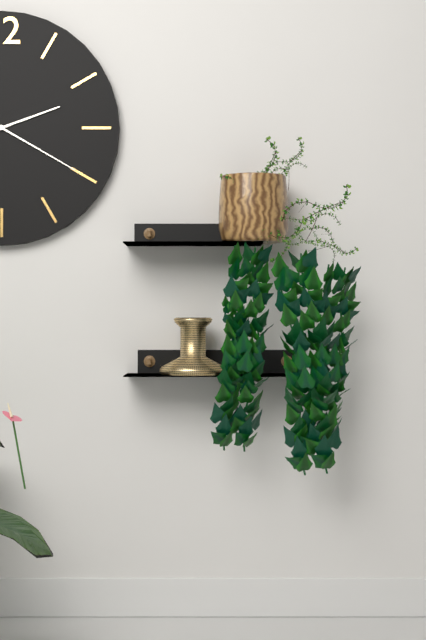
2:20
